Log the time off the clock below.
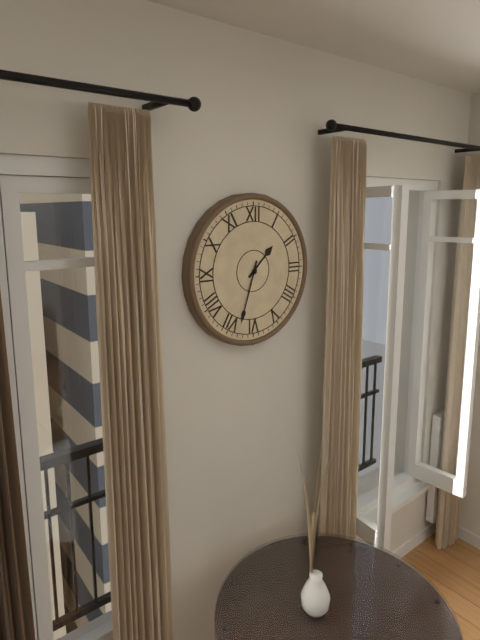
1:33
